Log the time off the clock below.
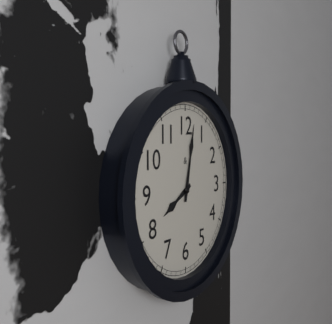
8:02
